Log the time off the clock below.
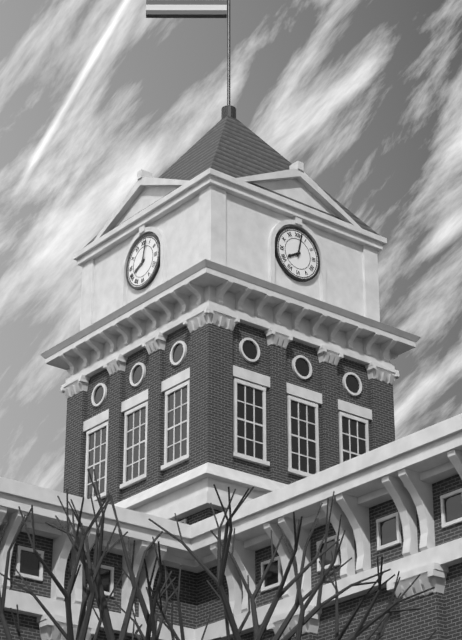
8:02
